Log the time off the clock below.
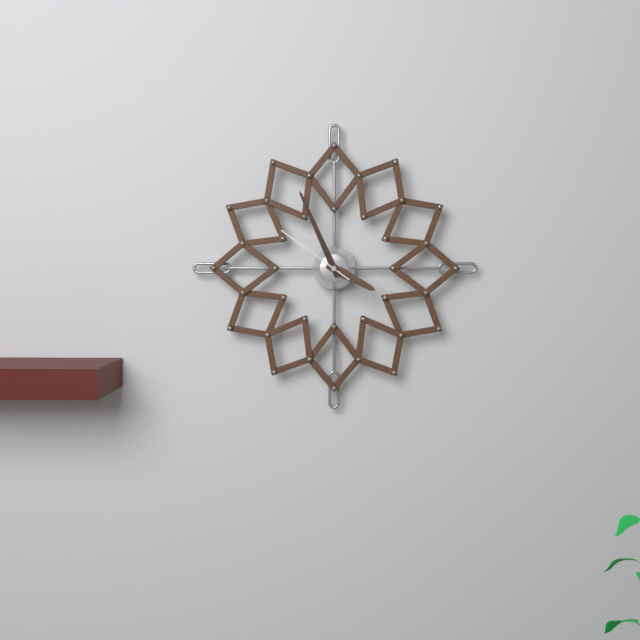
3:56:51
